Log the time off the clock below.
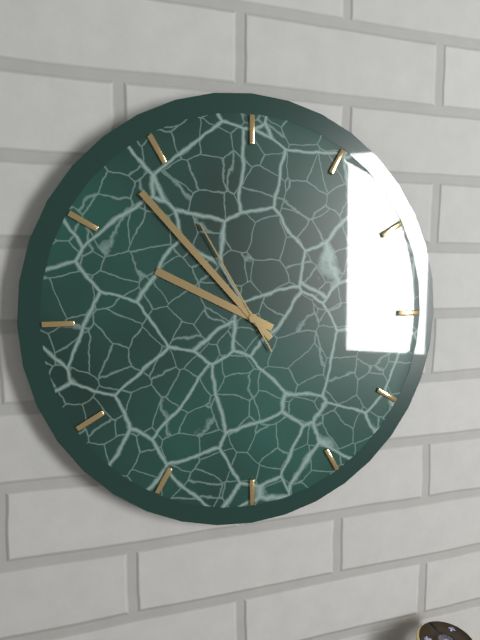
9:53:55
